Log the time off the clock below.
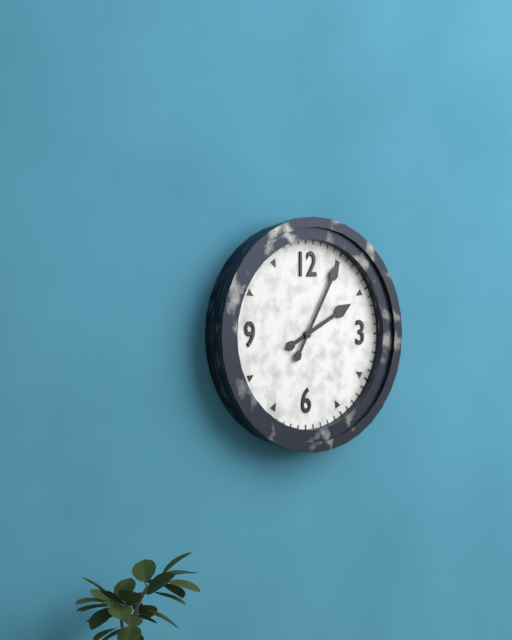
2:05
